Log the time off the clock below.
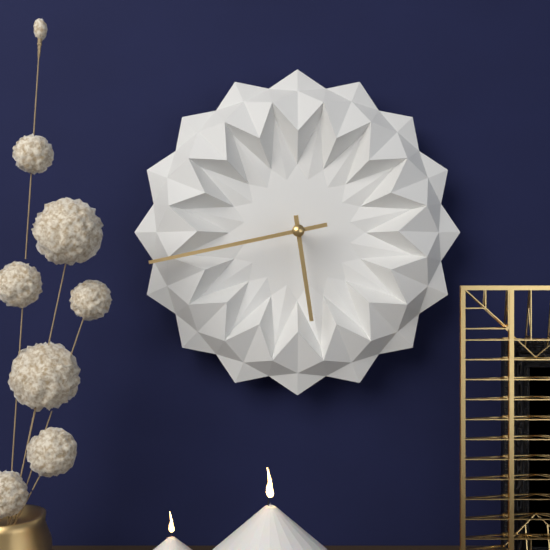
5:43
